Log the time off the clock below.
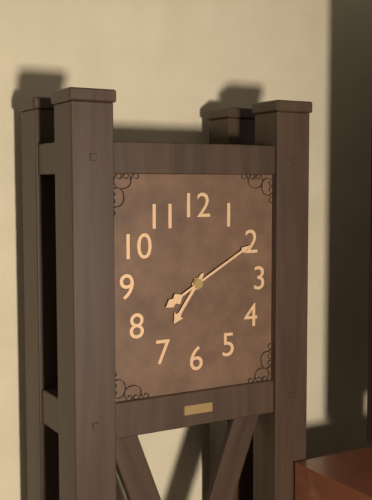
7:10
